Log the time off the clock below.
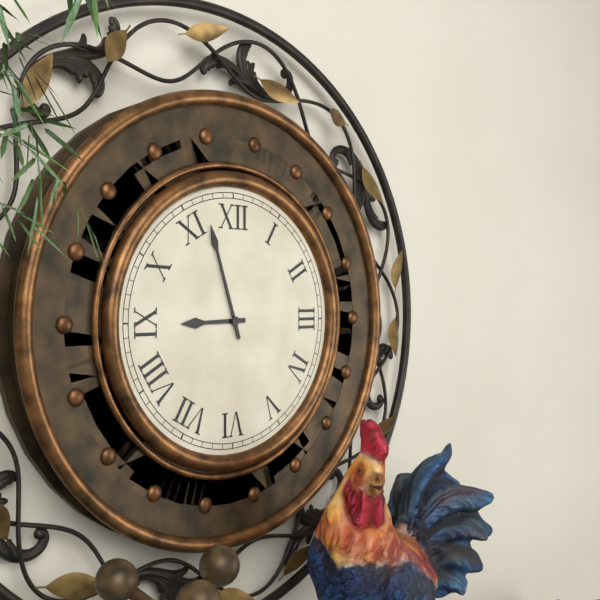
8:57
